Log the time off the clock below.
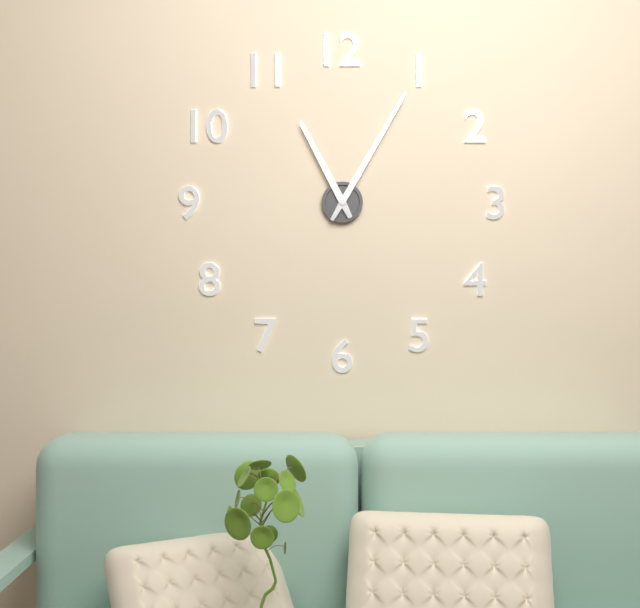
11:05
